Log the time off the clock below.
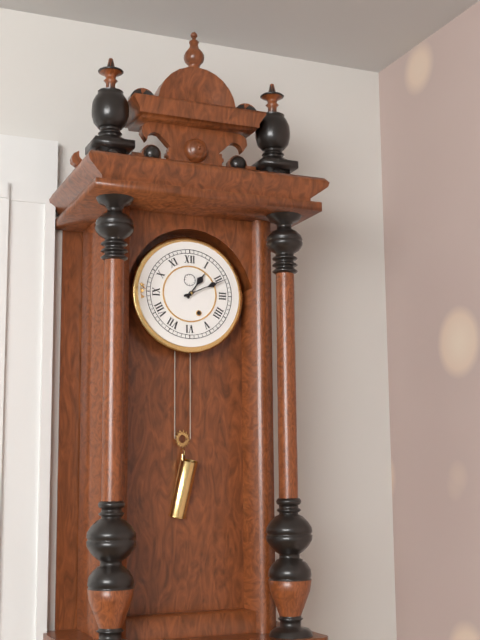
1:11
